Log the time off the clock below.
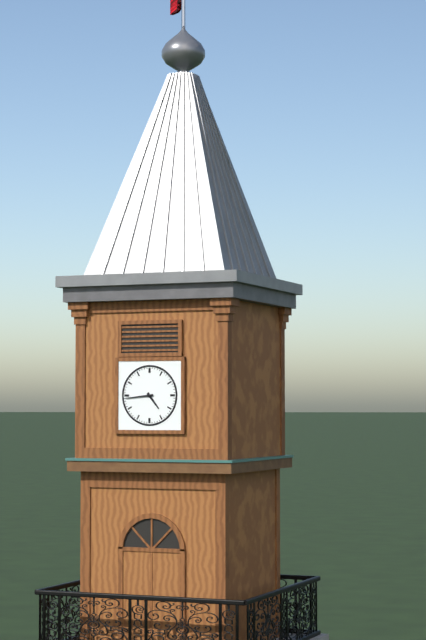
4:44
